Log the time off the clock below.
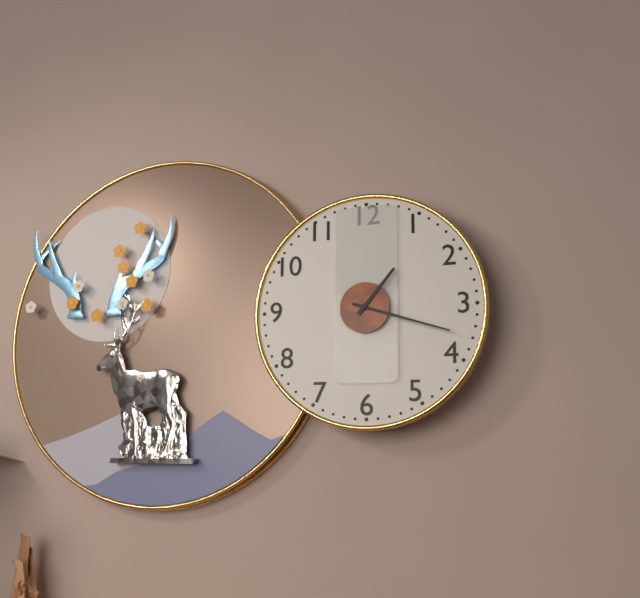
1:18
